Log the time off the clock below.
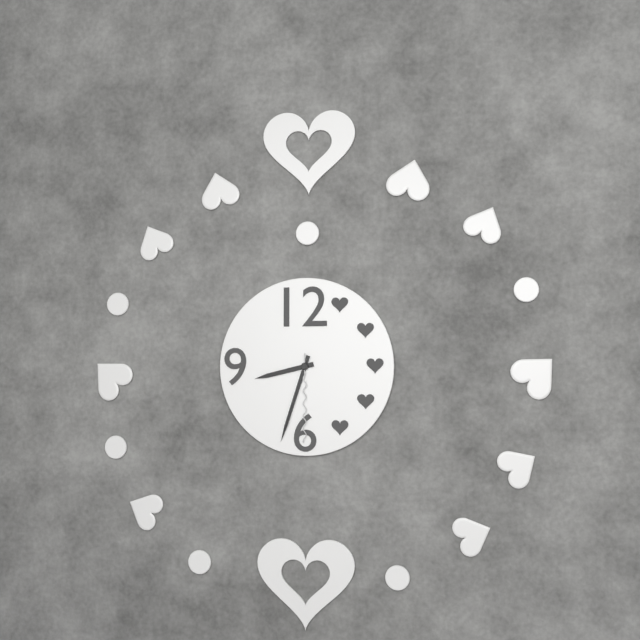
8:33:30
